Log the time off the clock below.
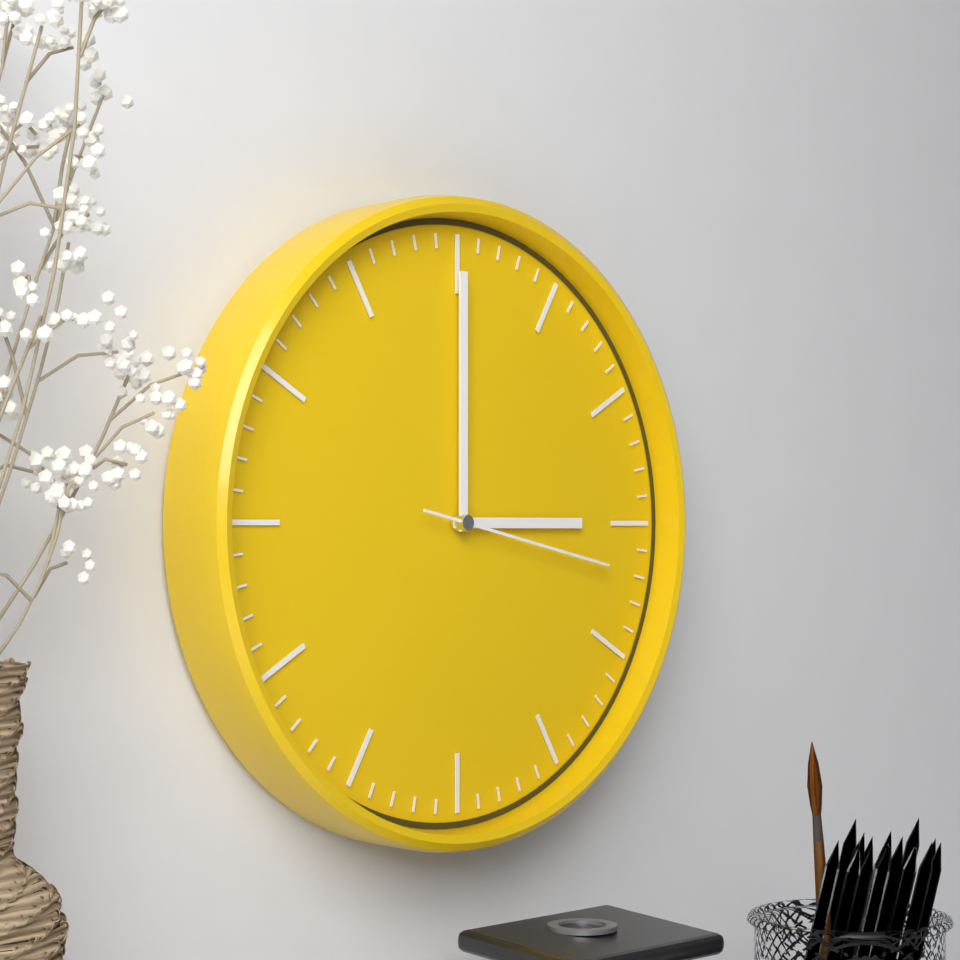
3:00:17
